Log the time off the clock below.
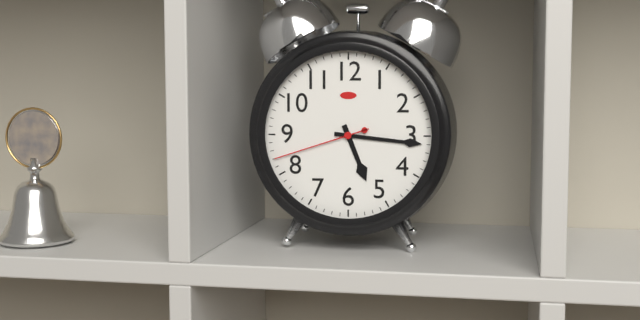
5:16:42
